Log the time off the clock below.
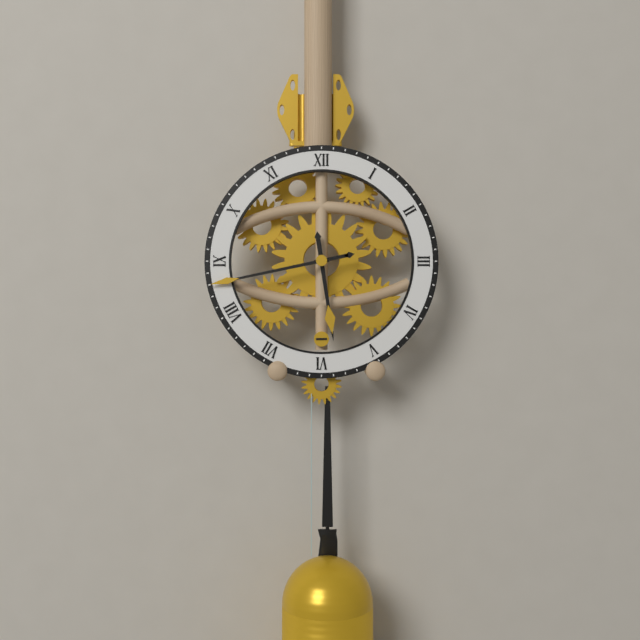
5:43
